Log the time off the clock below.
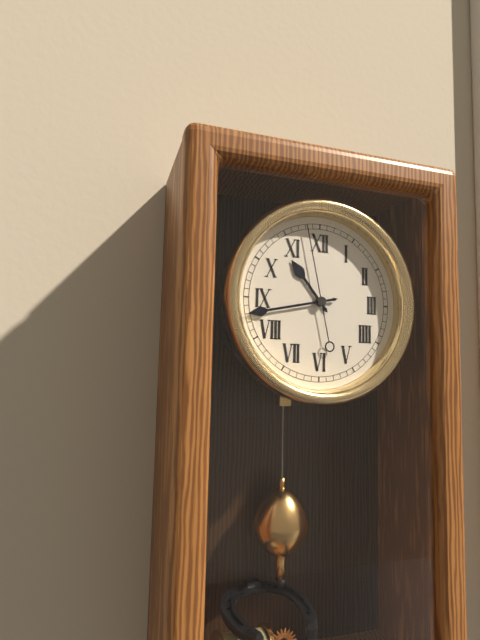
10:43:58
